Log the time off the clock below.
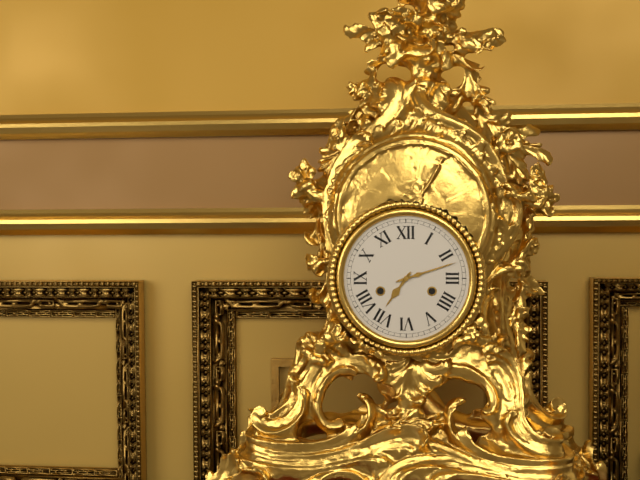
7:12
